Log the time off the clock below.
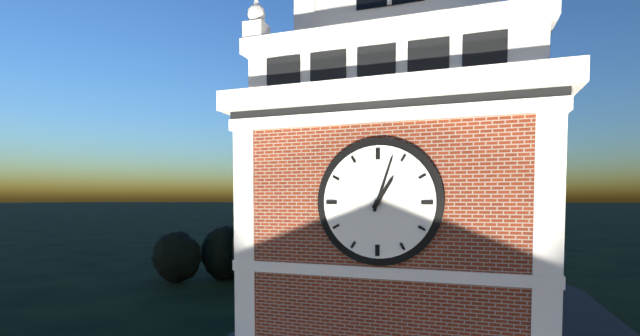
1:03
